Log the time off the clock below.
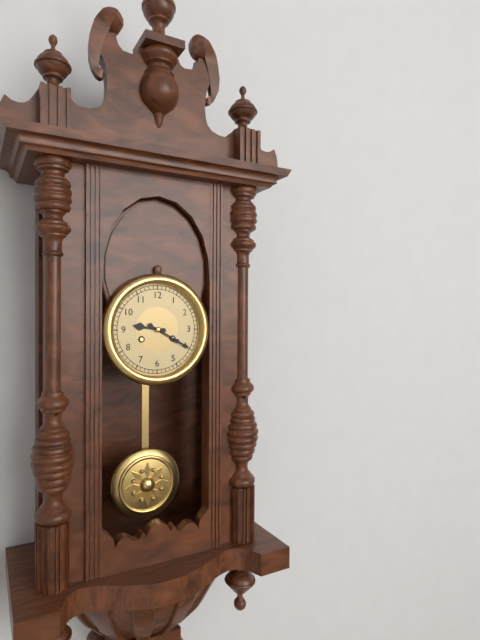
9:20
